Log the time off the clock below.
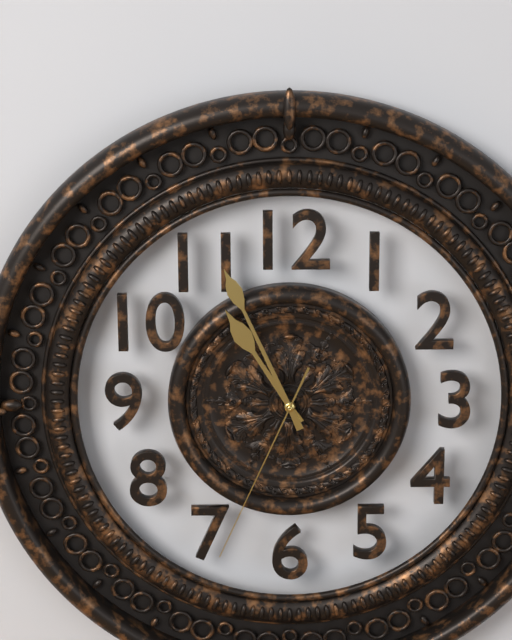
10:56:34
